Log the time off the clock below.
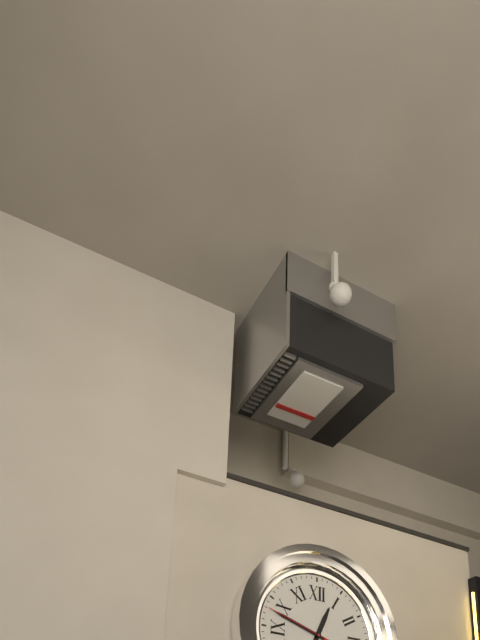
12:48:48
